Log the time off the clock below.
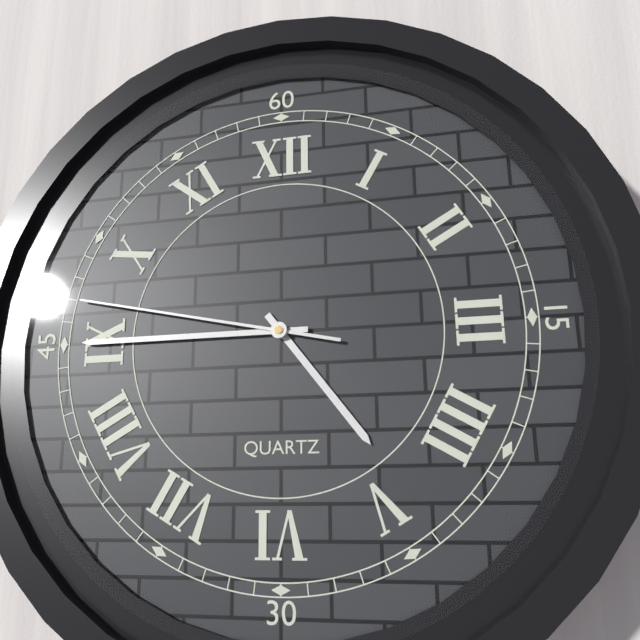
4:45:47
